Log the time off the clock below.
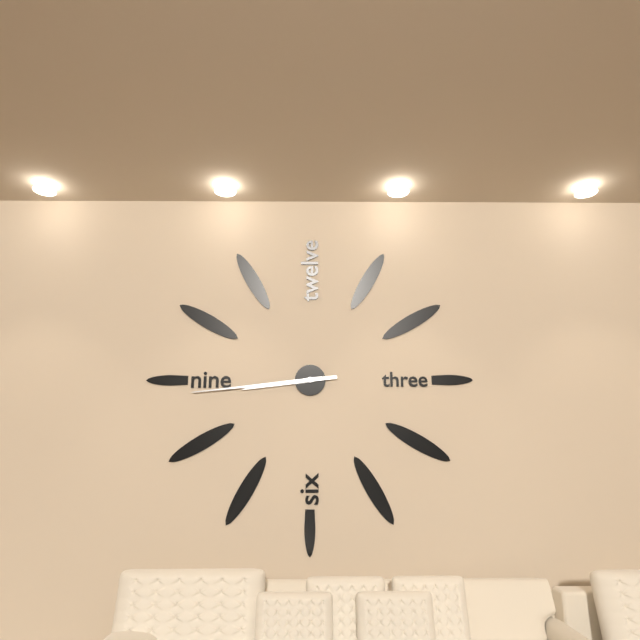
8:44
